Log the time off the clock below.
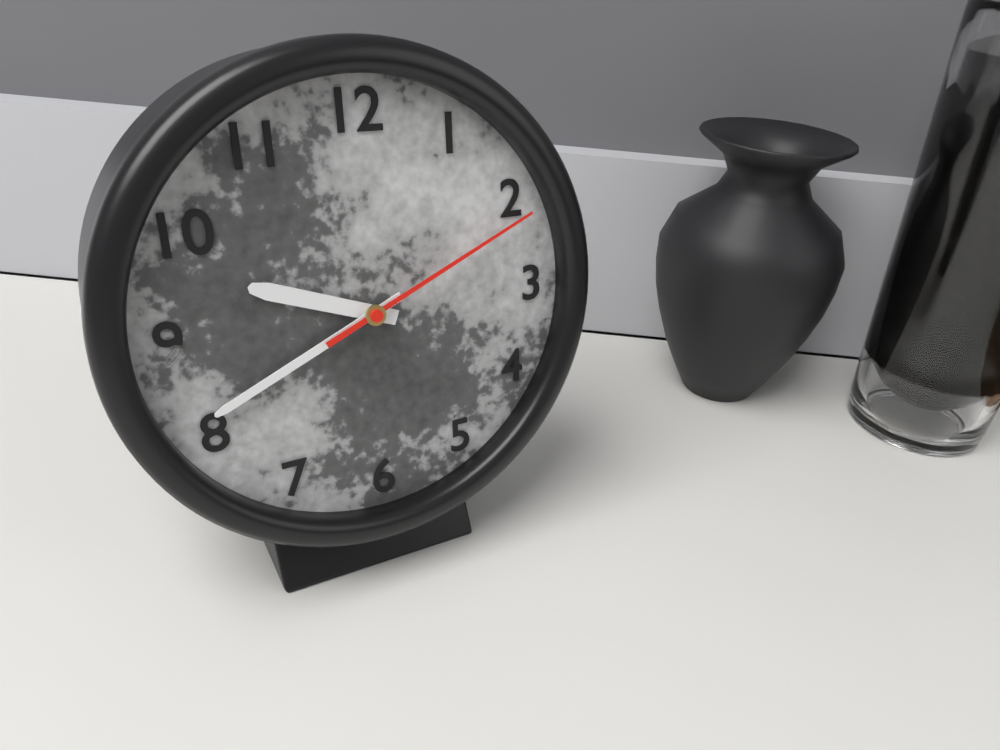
9:41:11
